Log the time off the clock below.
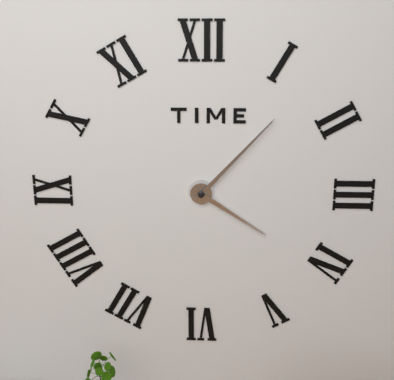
4:07
